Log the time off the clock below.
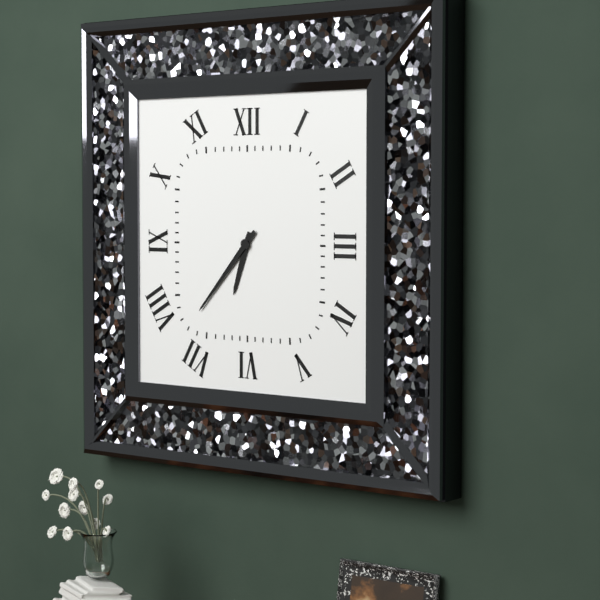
6:37
